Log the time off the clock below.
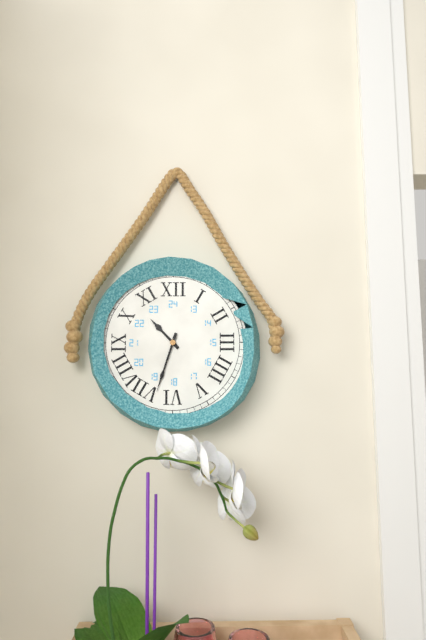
10:33
